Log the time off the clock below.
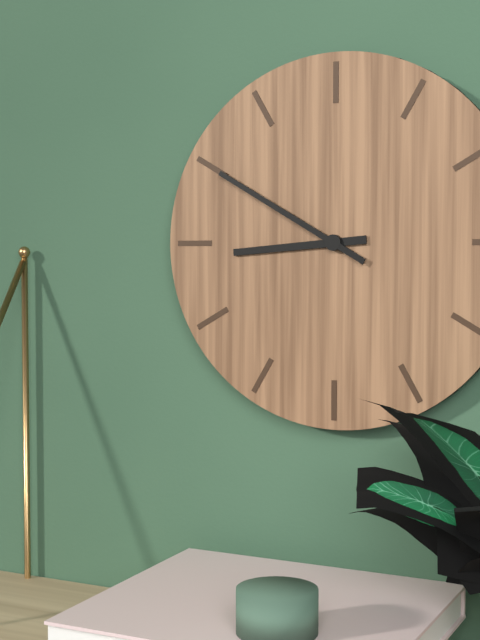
8:50
